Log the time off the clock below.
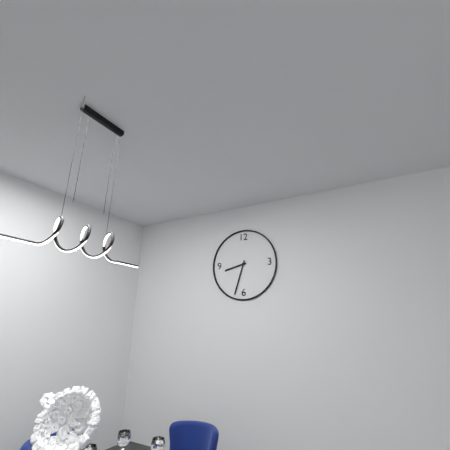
8:33
